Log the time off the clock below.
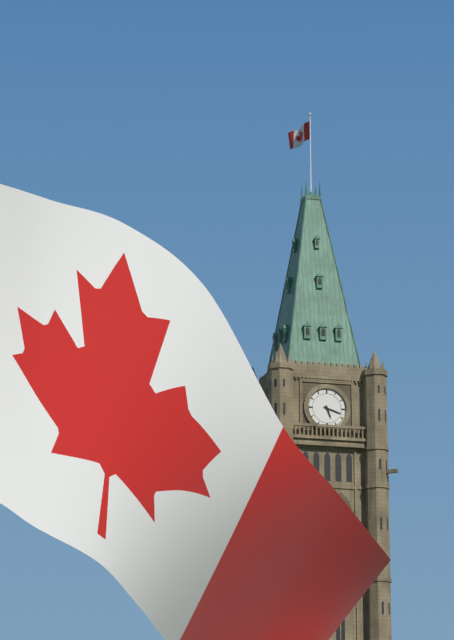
5:18
